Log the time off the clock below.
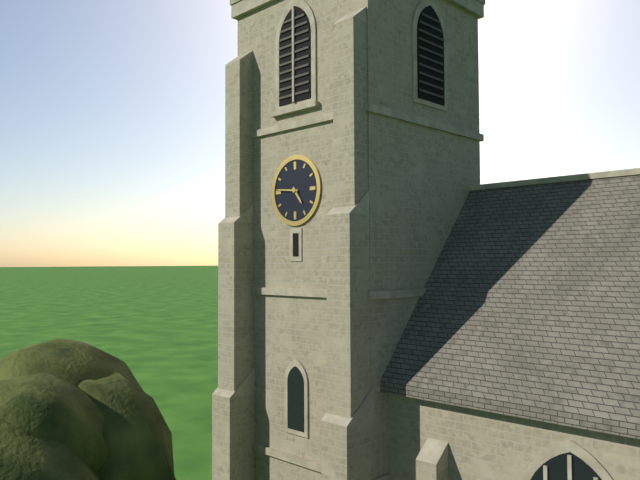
4:46
